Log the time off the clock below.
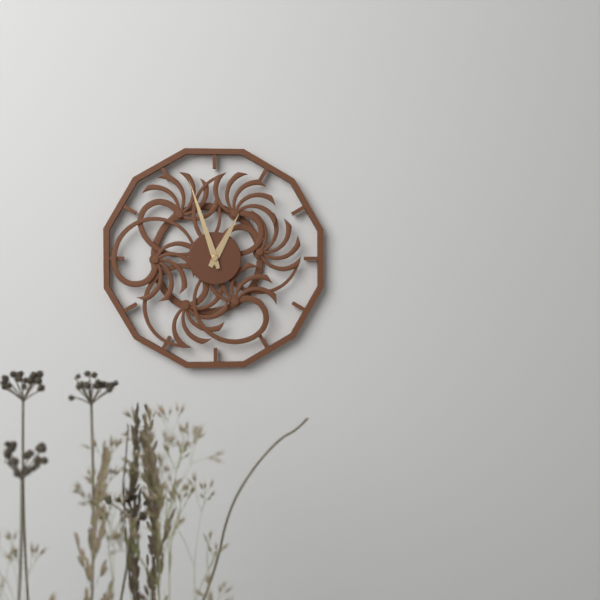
12:57
